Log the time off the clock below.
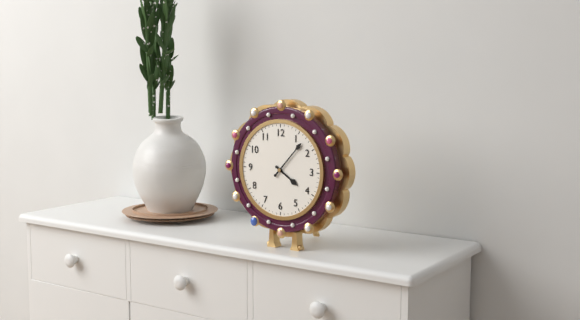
4:07
